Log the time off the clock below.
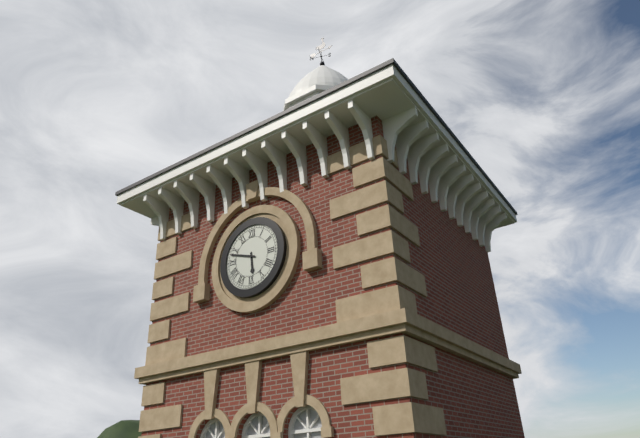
5:48
